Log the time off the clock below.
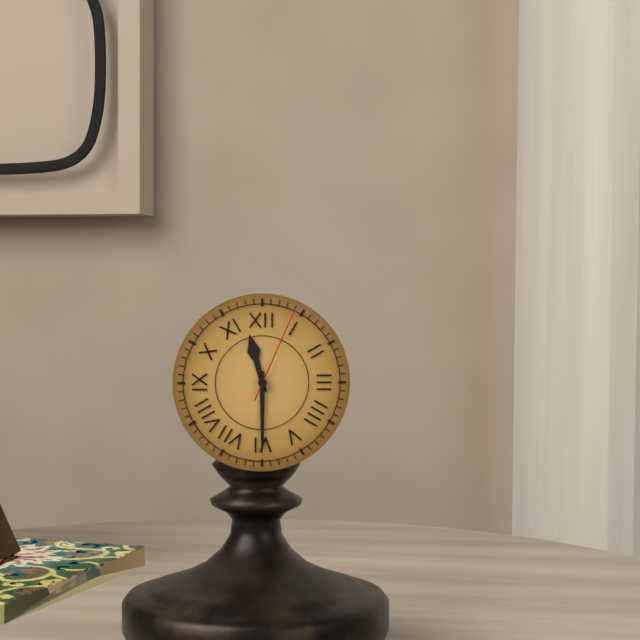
11:30:04
